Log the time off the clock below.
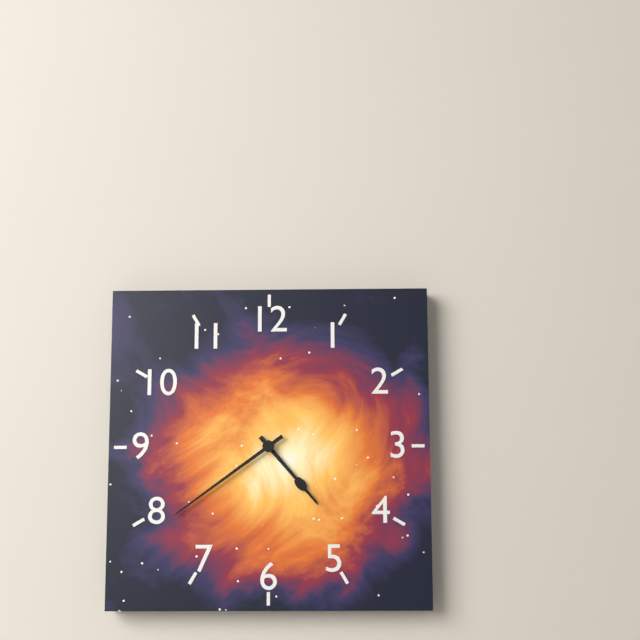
4:39
